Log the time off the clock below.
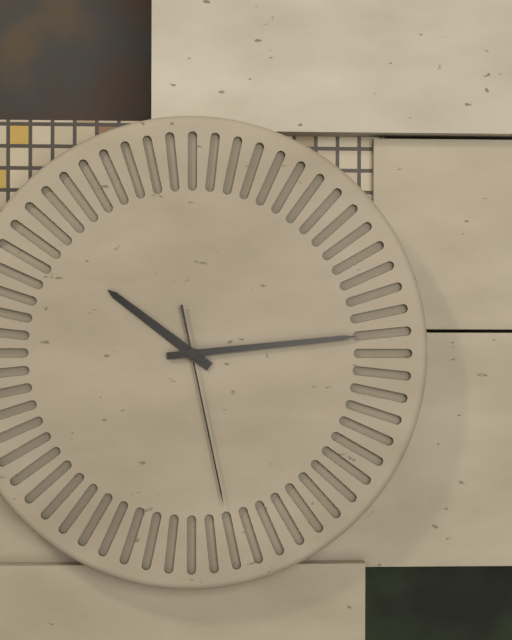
10:14:28
